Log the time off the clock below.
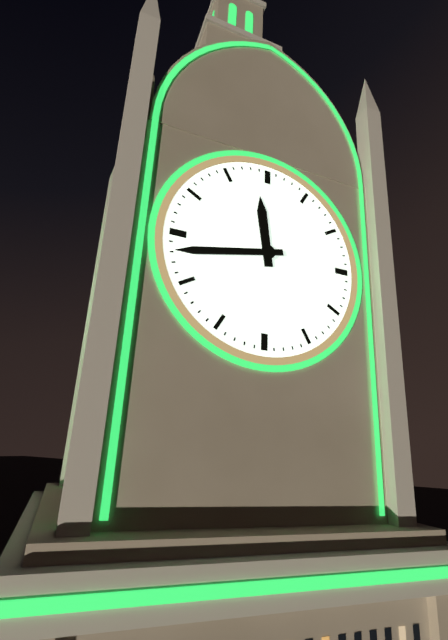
11:43
